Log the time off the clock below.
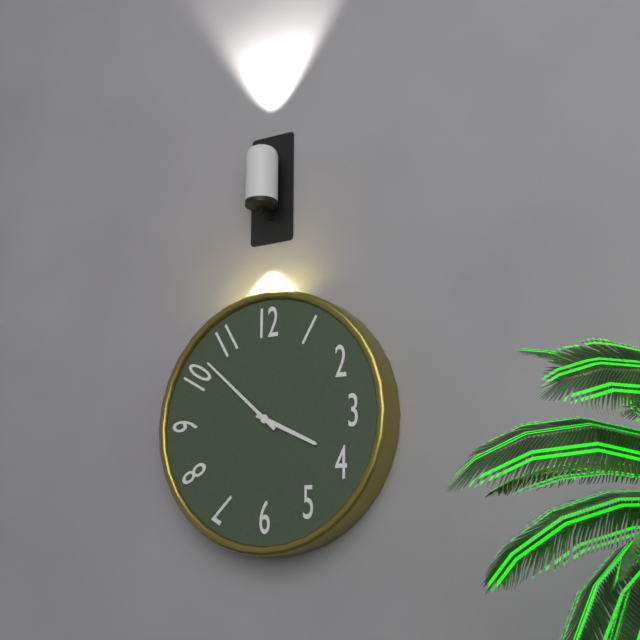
3:52
